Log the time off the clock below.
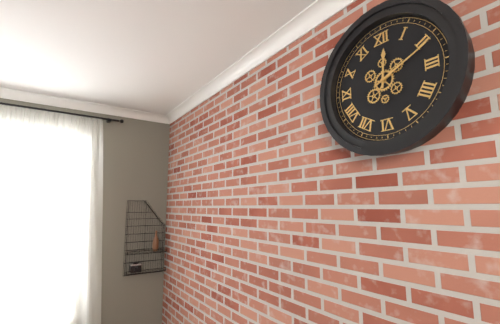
12:11
